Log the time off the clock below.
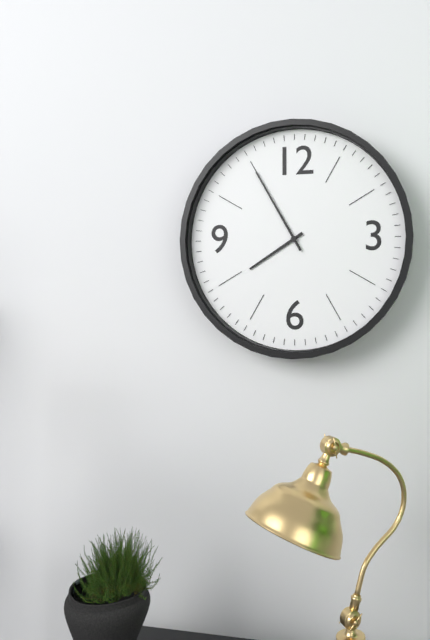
7:55
